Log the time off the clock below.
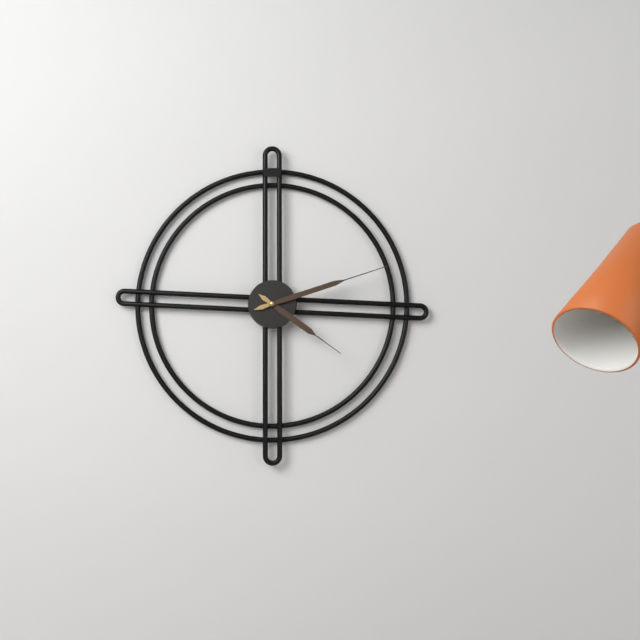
4:12
